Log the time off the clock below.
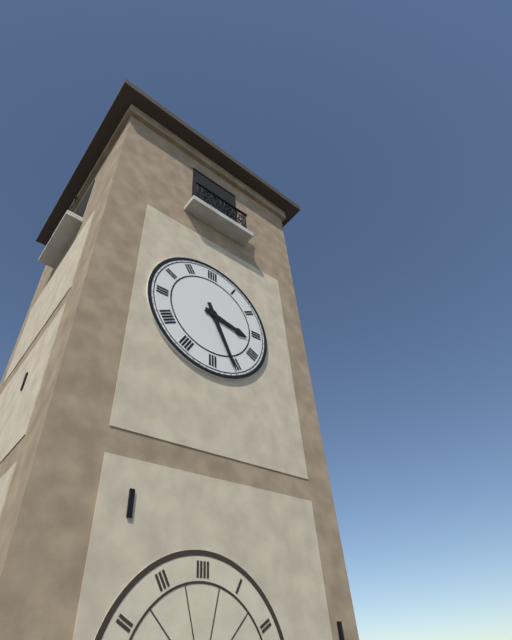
3:26
